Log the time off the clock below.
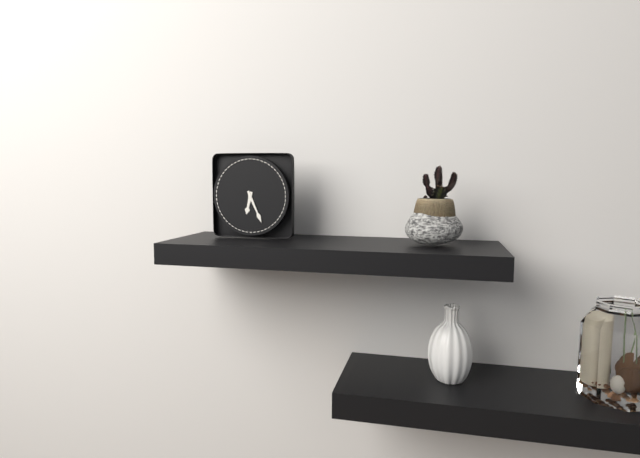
6:26
